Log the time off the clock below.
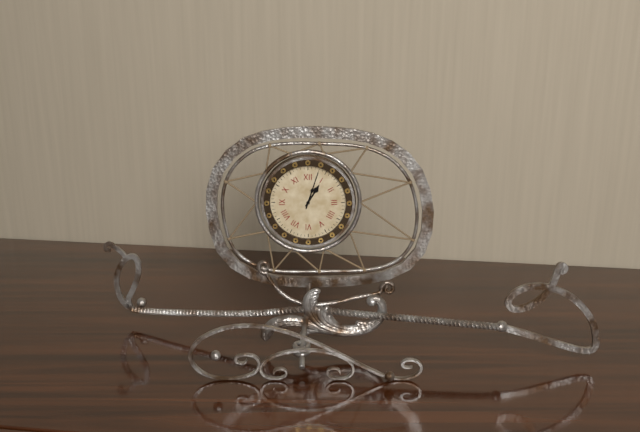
1:03
